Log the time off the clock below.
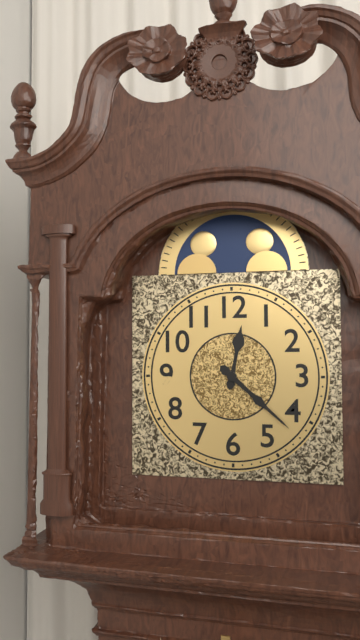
12:22
